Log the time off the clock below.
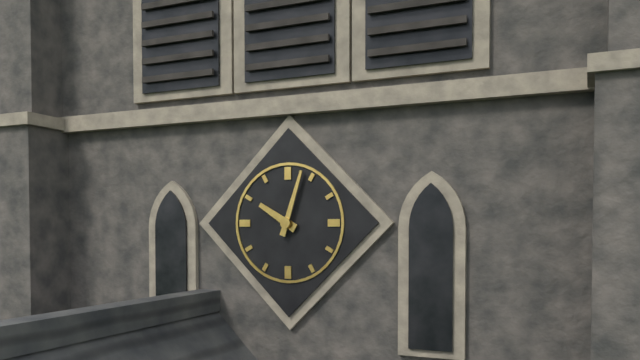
10:03
